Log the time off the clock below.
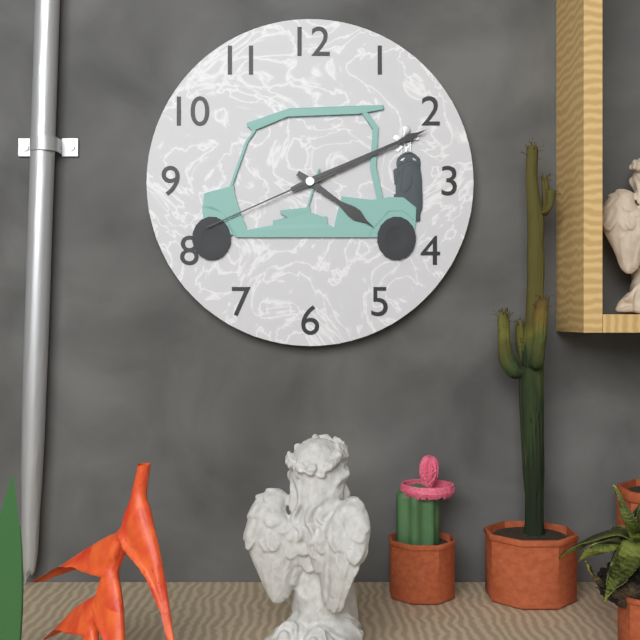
4:11:41
